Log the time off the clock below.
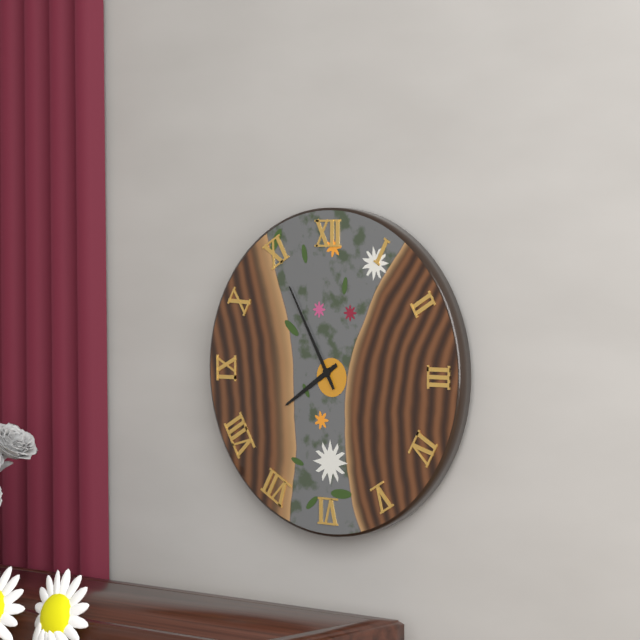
7:55
